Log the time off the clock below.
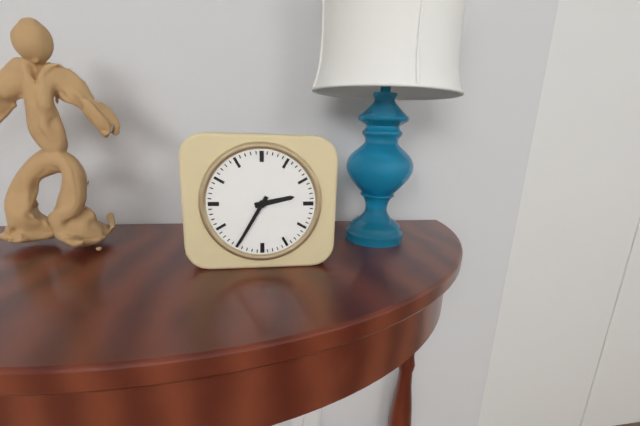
2:35
